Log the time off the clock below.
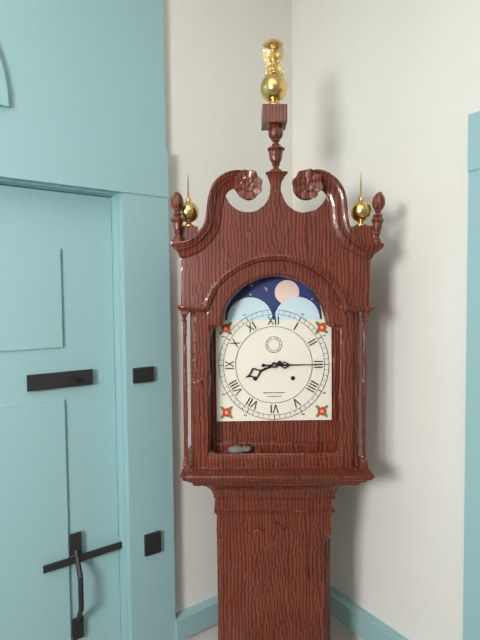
8:15
